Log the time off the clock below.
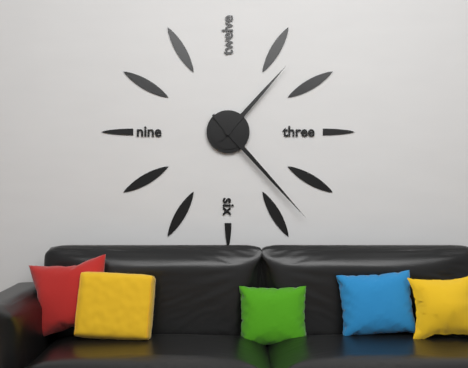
1:23
